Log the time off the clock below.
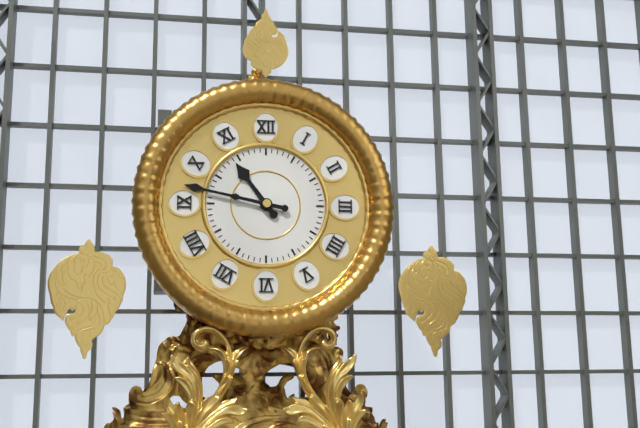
10:47
